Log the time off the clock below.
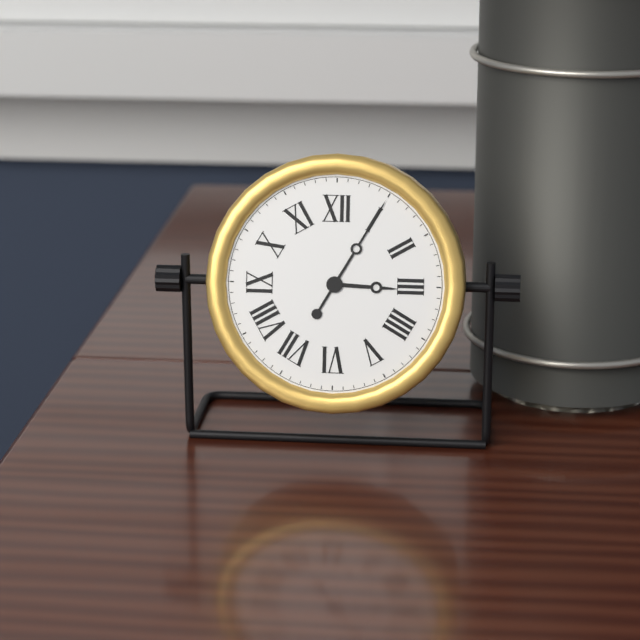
3:05
